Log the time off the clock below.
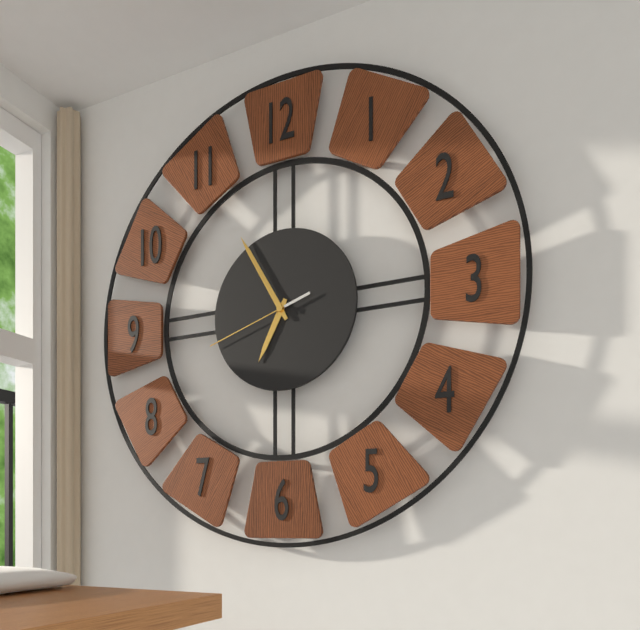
6:55:42
